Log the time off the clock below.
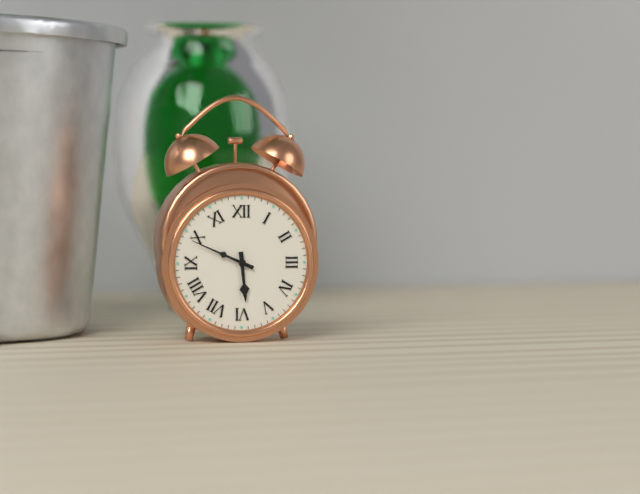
5:49
